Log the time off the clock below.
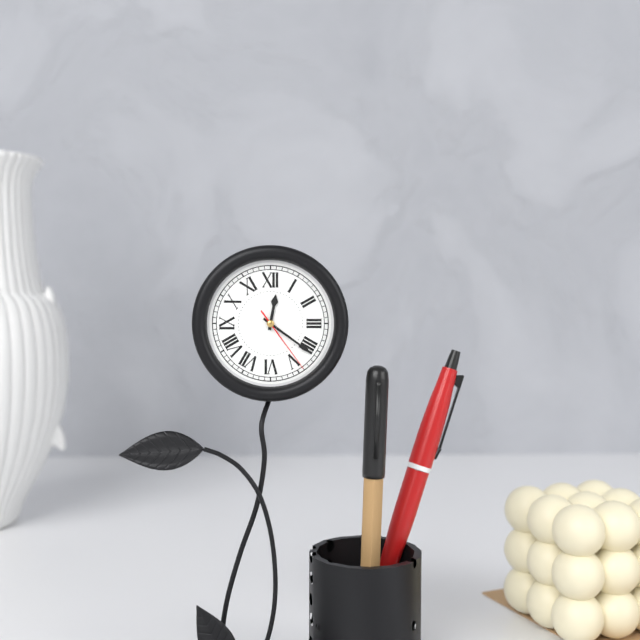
12:21:24
